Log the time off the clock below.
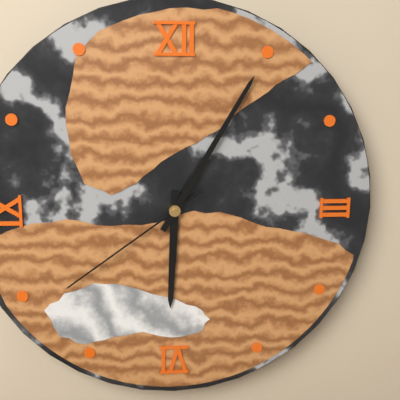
6:05:39
